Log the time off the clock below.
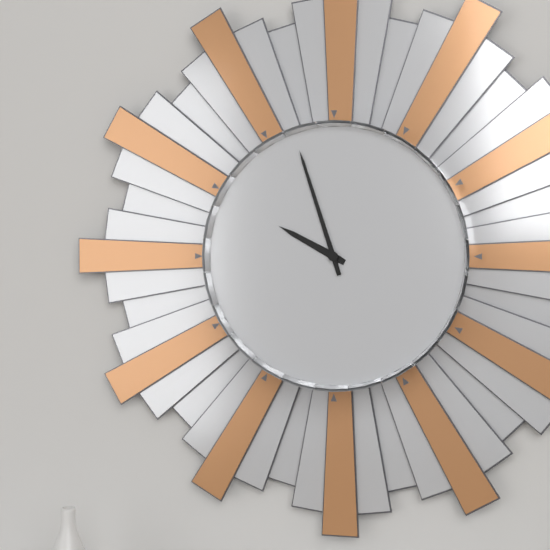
9:57
